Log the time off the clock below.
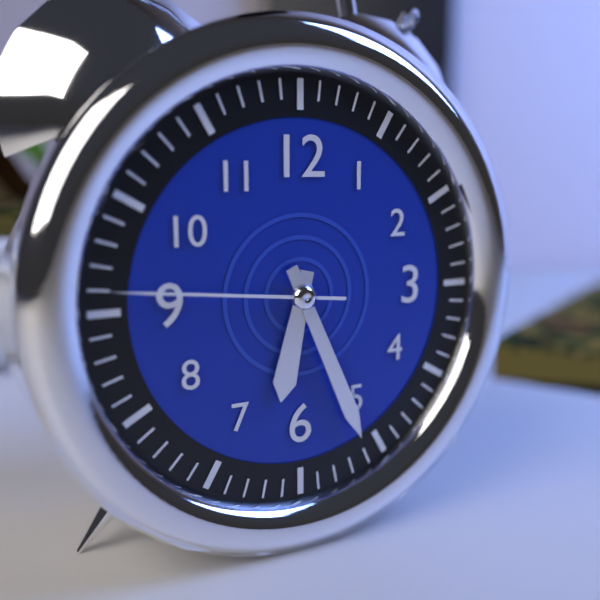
6:26:46
